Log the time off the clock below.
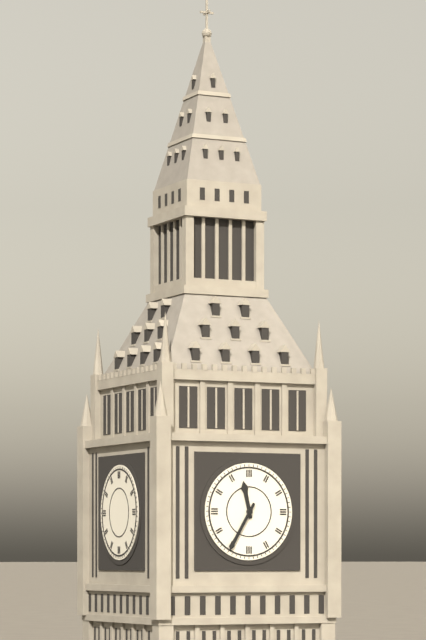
11:35
